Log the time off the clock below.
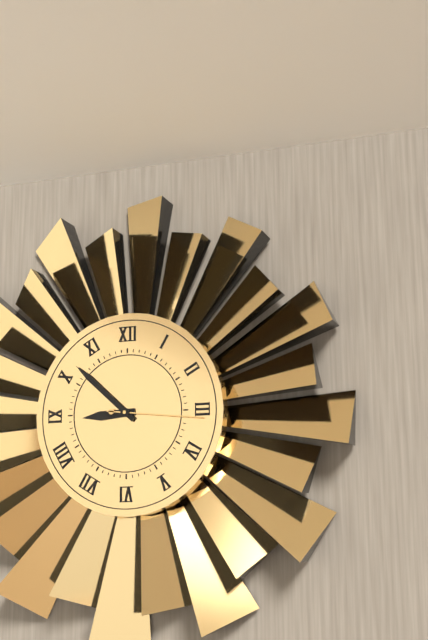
8:52:16
